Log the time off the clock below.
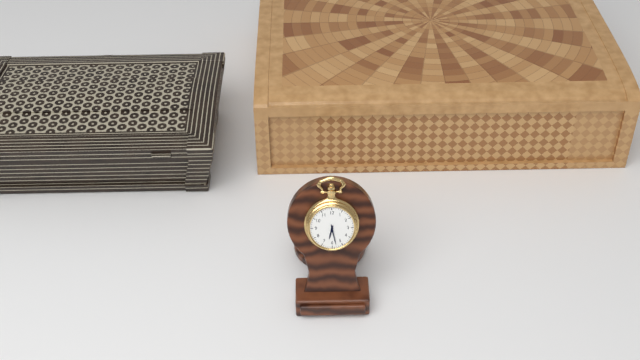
6:28
